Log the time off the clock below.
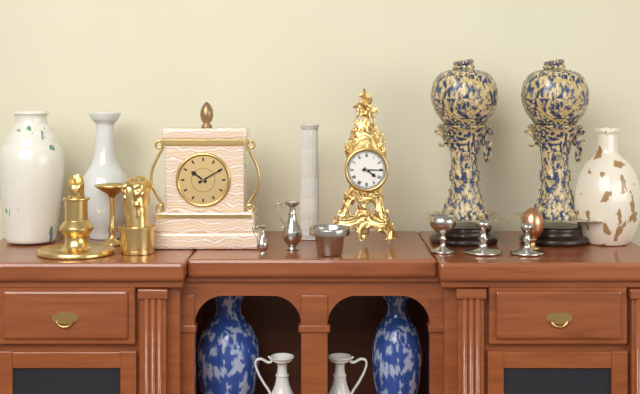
4:15
